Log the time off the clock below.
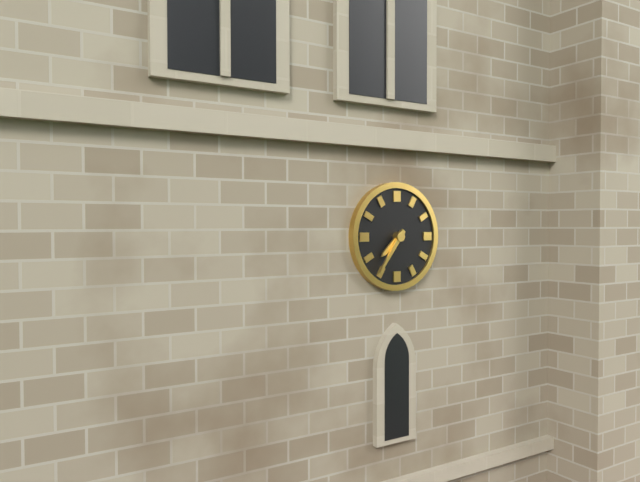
7:36
